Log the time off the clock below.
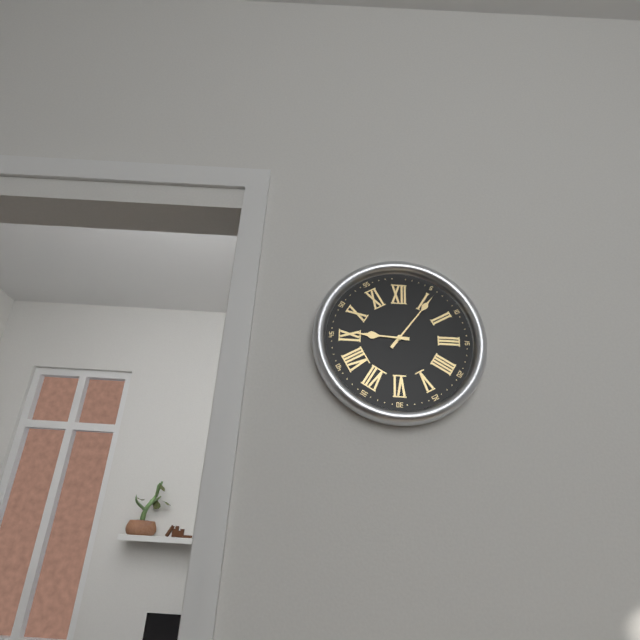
9:06
